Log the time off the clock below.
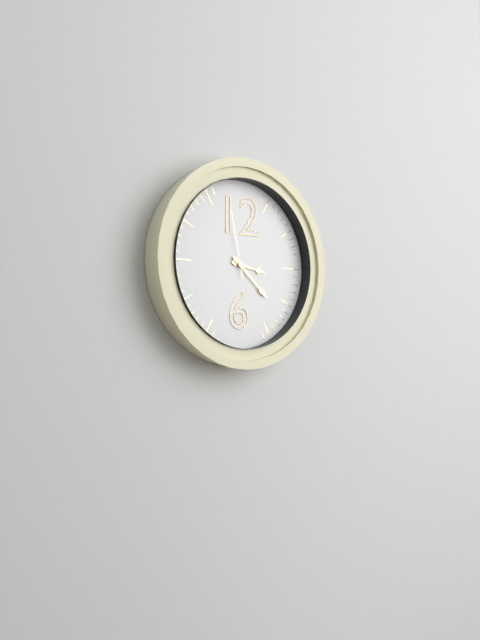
3:22:58
